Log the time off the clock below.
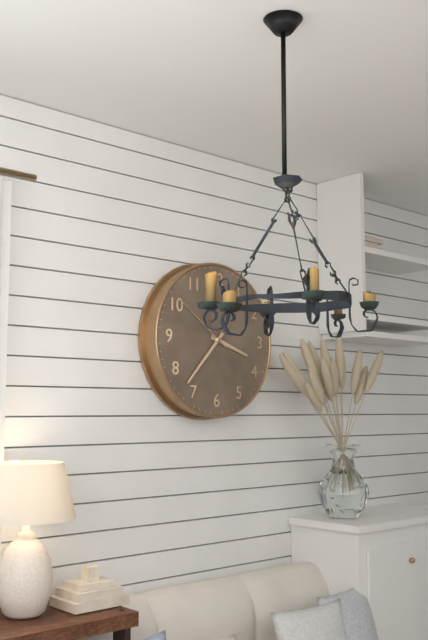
3:37:51
